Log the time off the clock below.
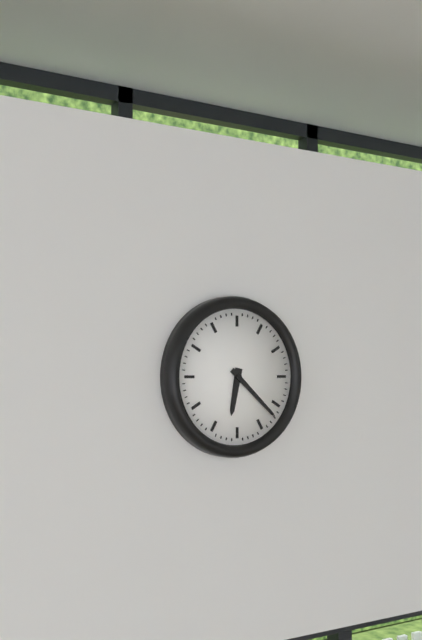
6:22
